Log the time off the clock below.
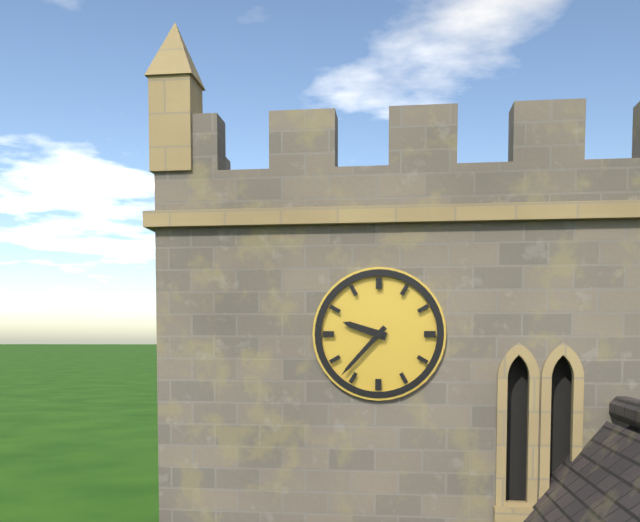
9:37
